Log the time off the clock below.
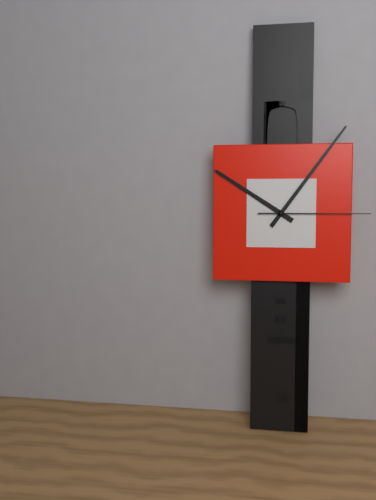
10:06:15
